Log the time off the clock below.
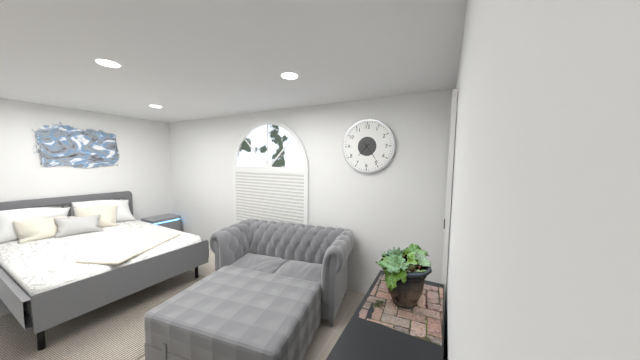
7:24
